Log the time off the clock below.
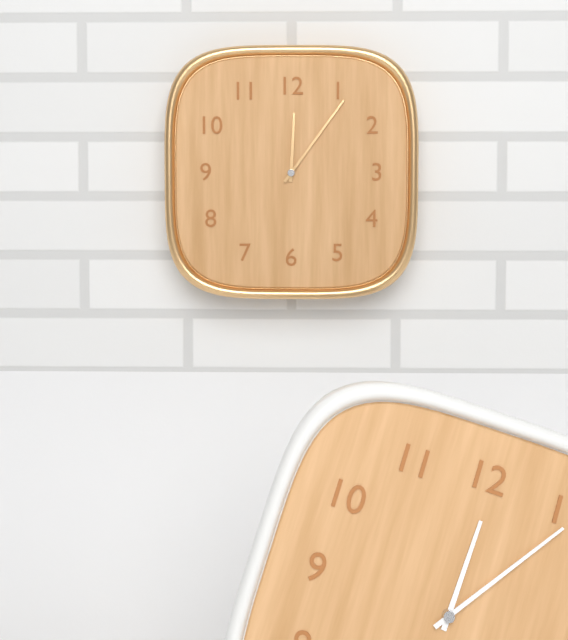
12:06
